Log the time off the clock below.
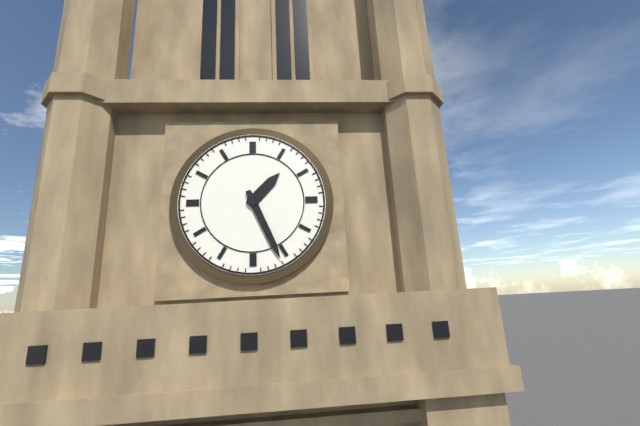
1:26
